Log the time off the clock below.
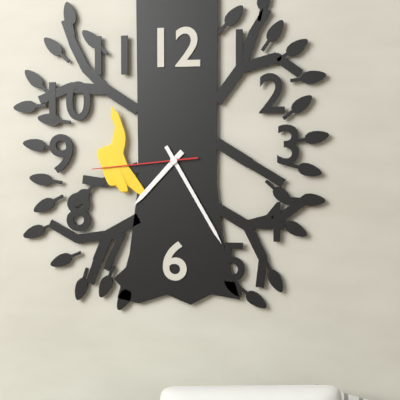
7:25:44
